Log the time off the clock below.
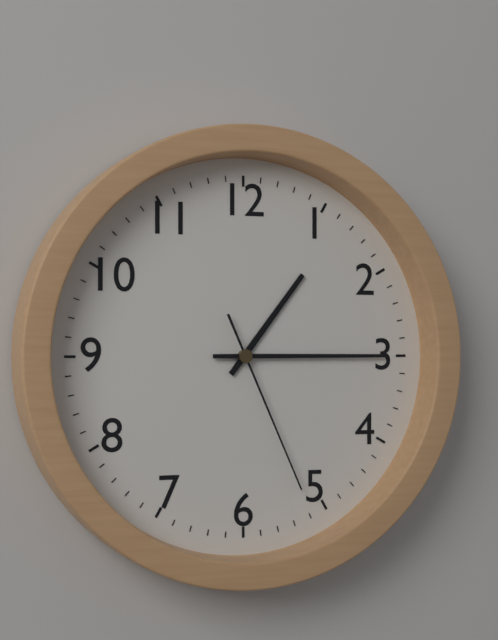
1:15:26
